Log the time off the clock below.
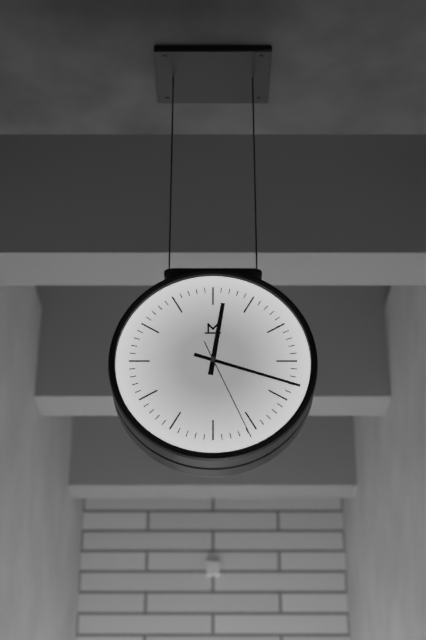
12:18:26
